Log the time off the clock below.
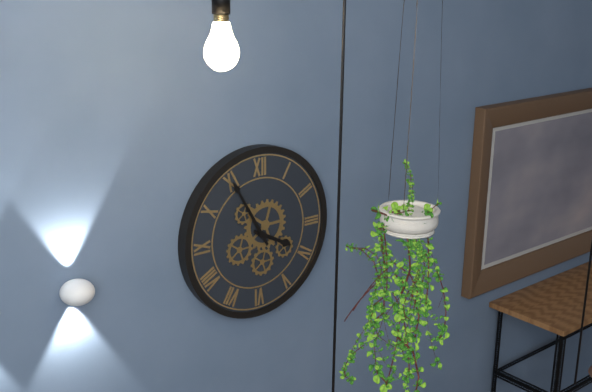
3:55
